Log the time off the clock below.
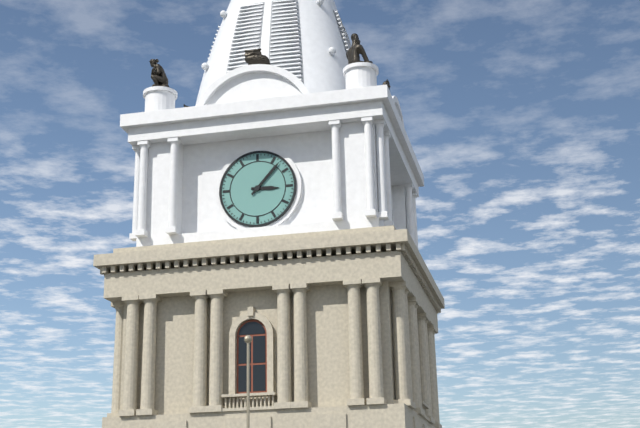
3:07
